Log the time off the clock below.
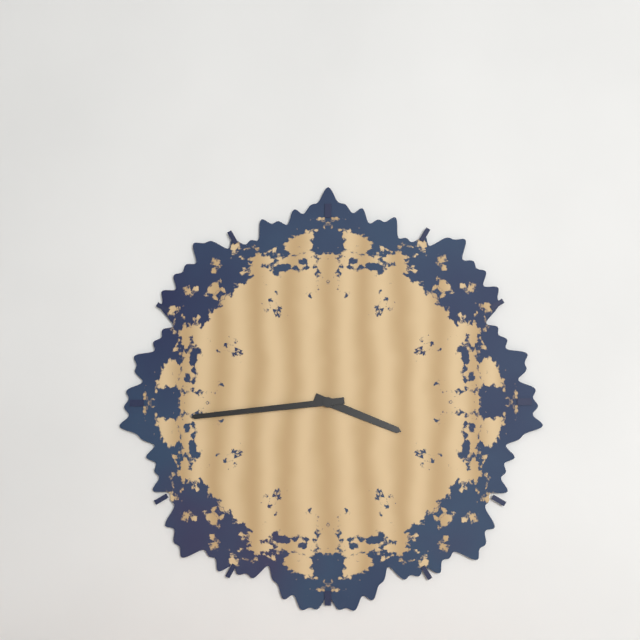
3:44
